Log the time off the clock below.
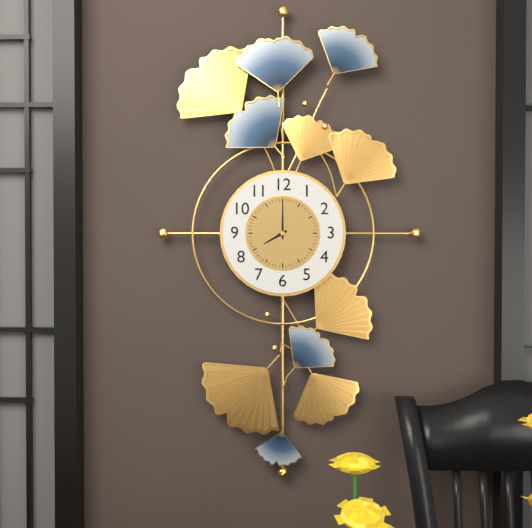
8:00
